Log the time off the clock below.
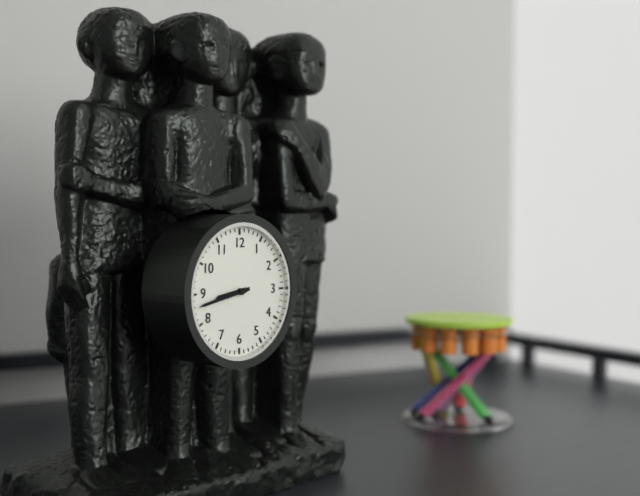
8:43
